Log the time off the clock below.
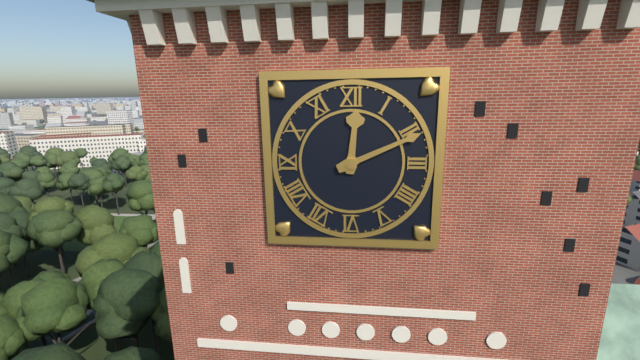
12:11
